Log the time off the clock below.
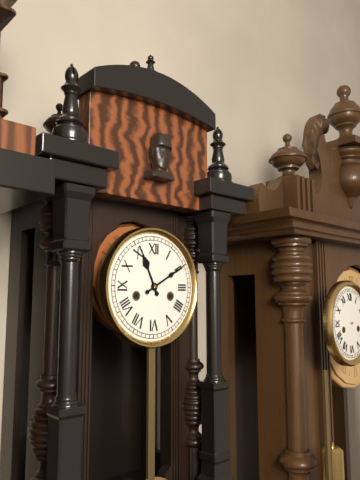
11:10
